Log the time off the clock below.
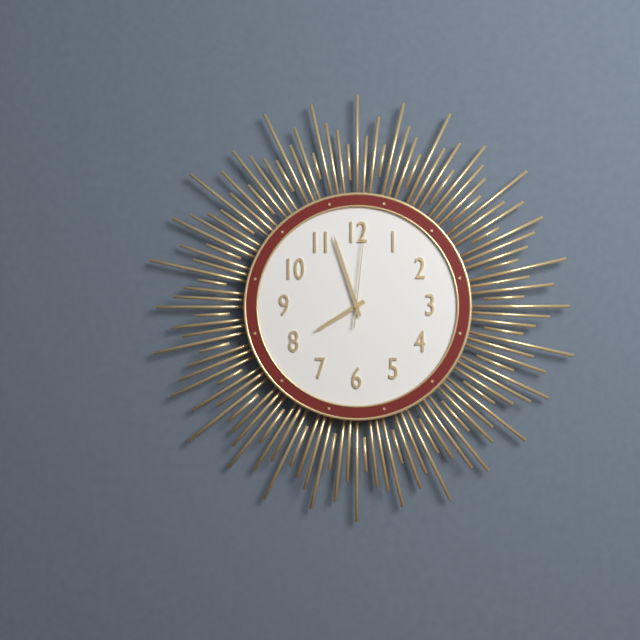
7:57:01
